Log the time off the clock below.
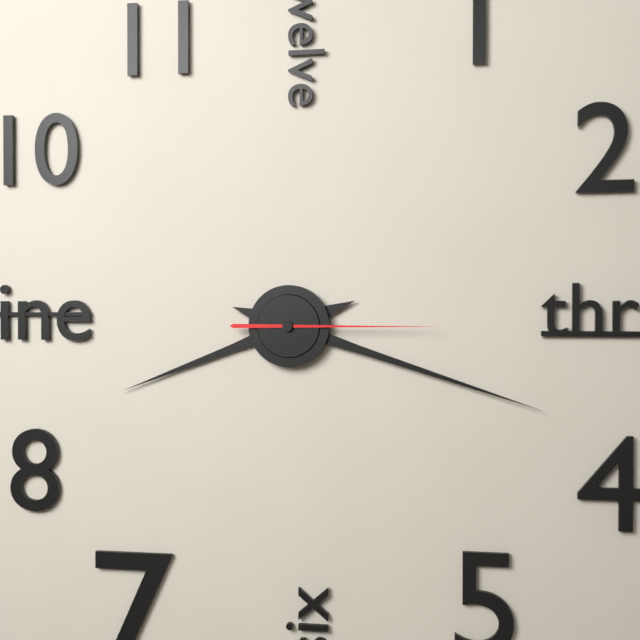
8:18:15
